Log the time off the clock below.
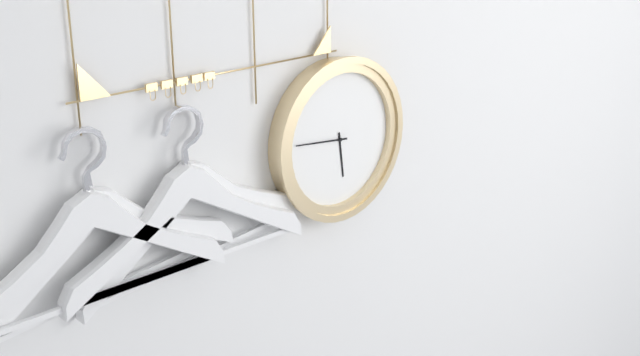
5:46
